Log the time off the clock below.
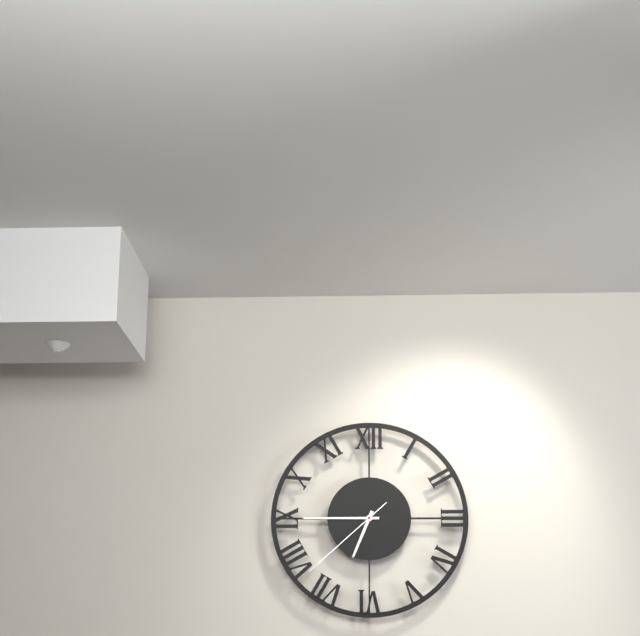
6:45:38
